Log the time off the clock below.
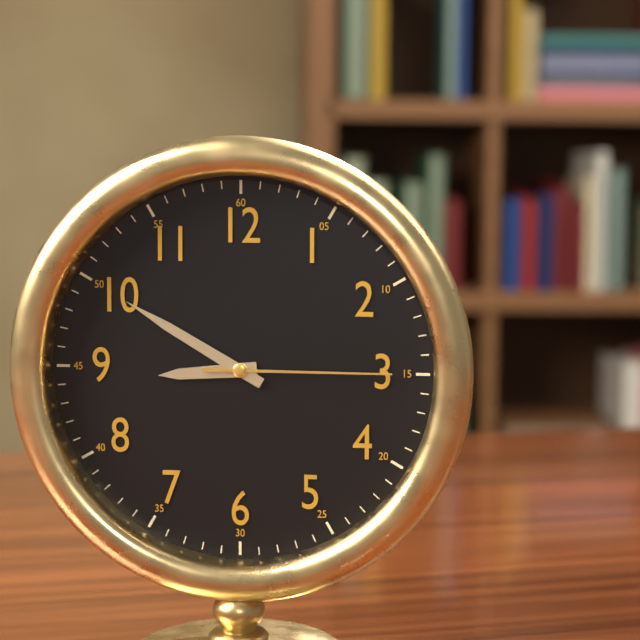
8:50:15
